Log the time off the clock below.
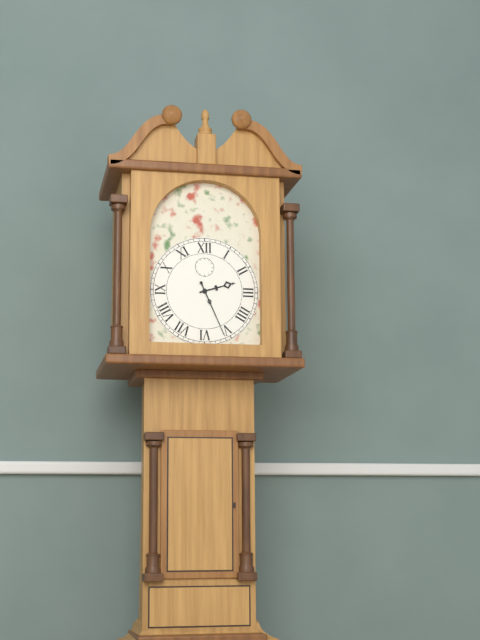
2:26
